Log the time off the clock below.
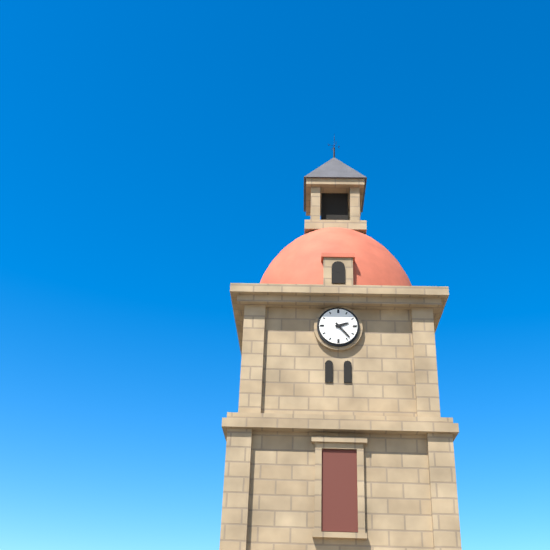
2:23
